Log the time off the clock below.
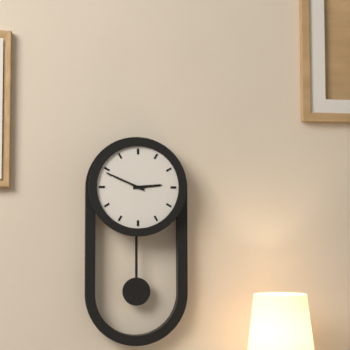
2:49
